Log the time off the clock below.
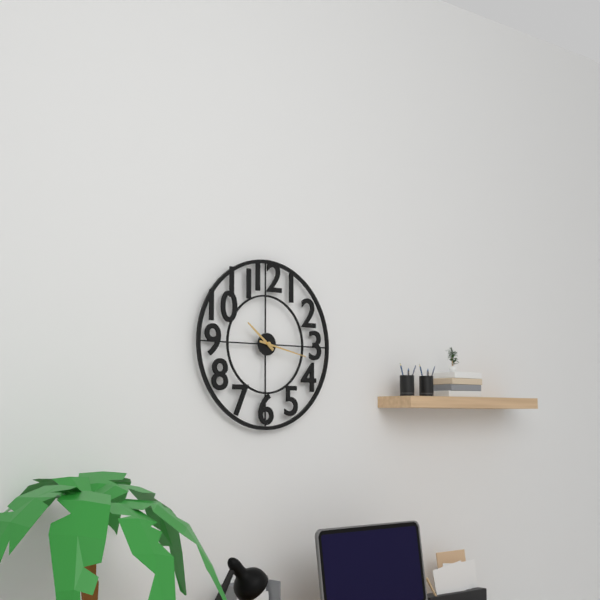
10:17
